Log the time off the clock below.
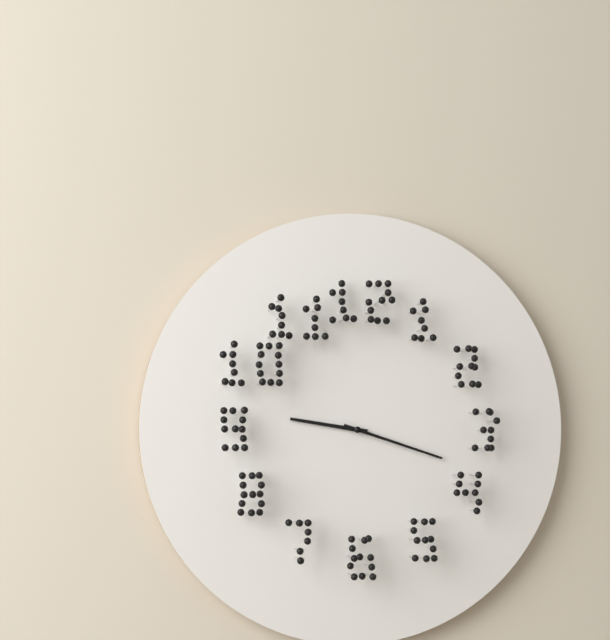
9:18
